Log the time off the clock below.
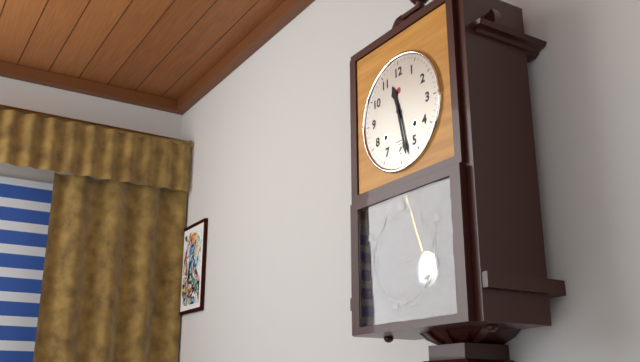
11:28
